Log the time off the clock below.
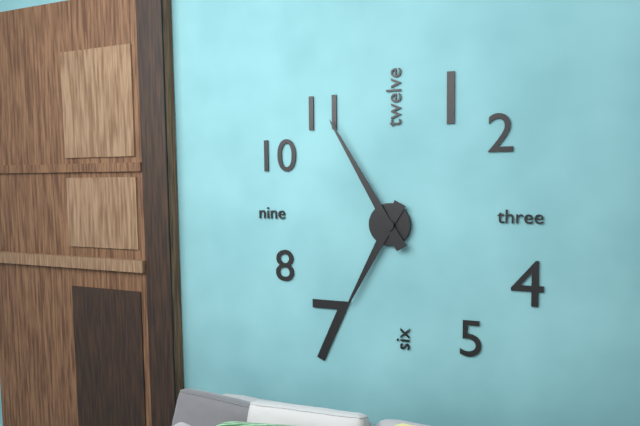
6:55
